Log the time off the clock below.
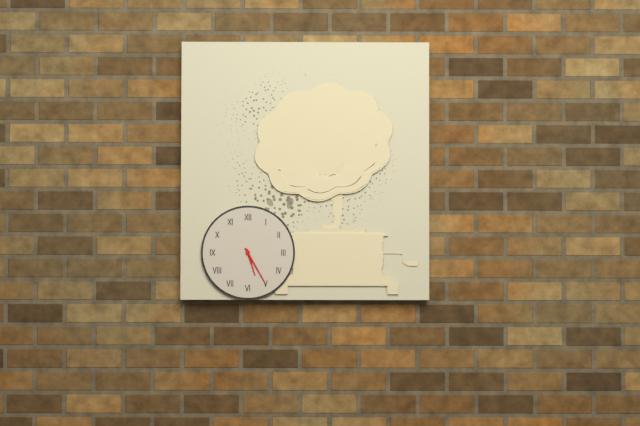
5:25
